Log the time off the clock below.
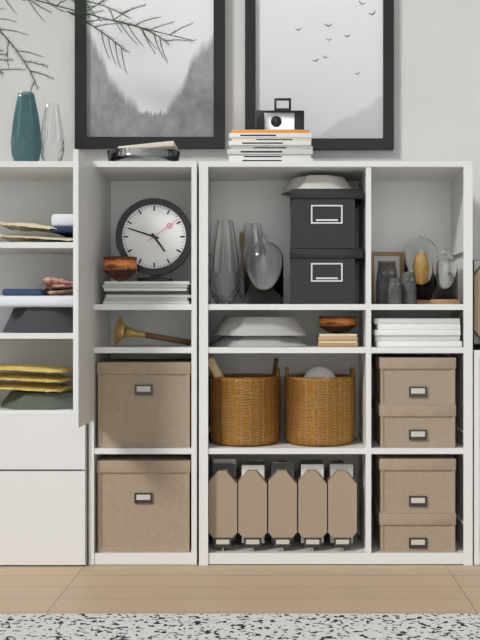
4:48
